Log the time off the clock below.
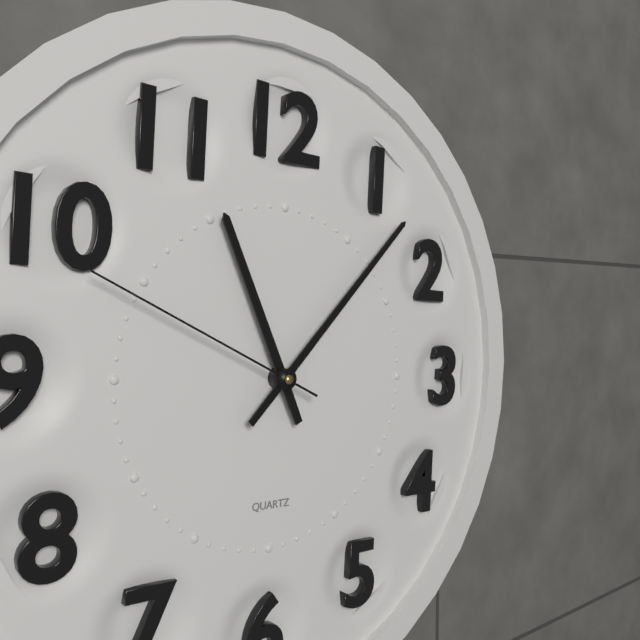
11:07:49
